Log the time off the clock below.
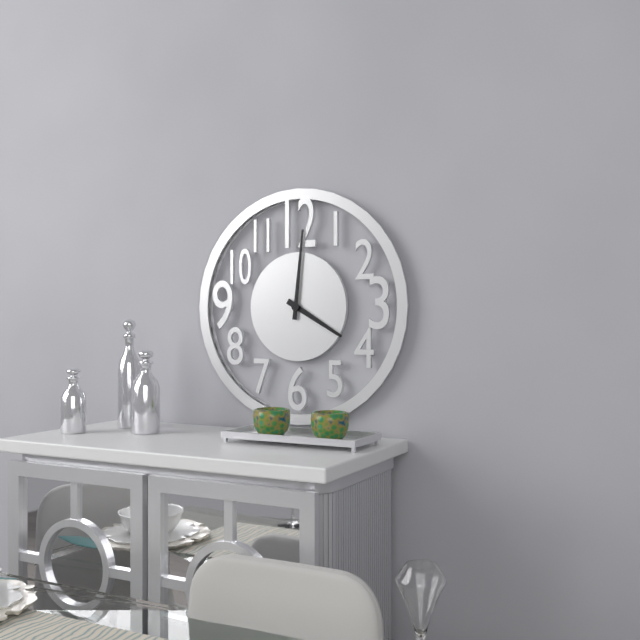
4:01
